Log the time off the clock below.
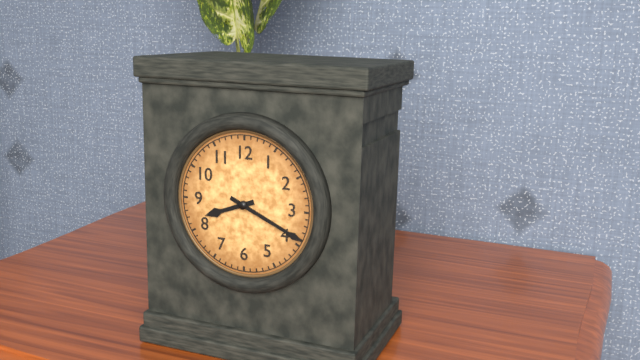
8:19
